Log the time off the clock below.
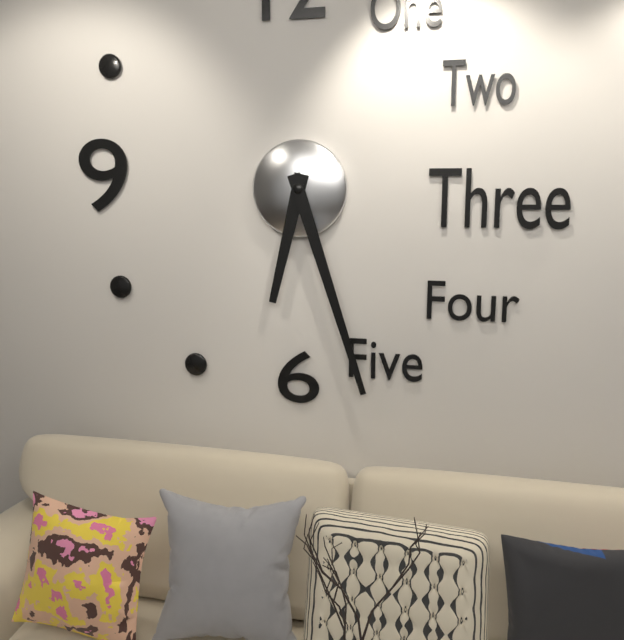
6:27
